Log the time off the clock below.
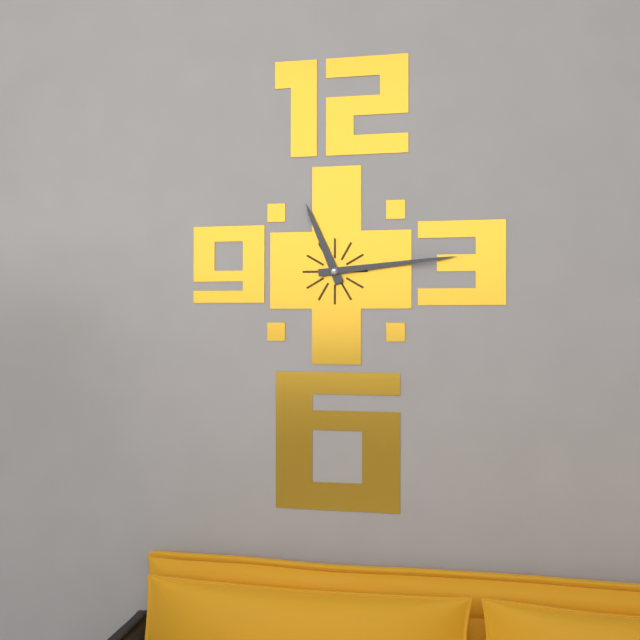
11:14
